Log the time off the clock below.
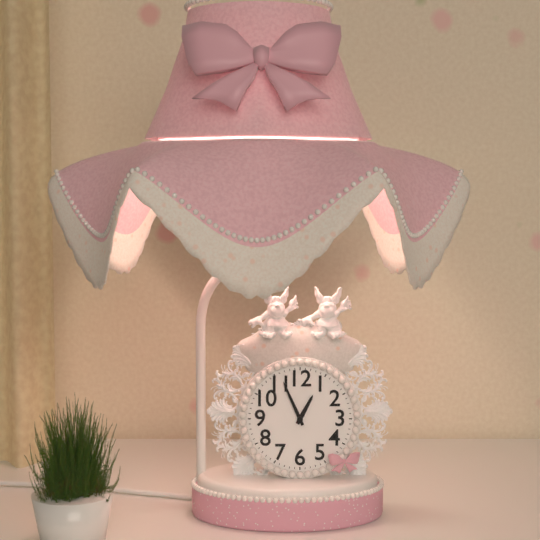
12:56
